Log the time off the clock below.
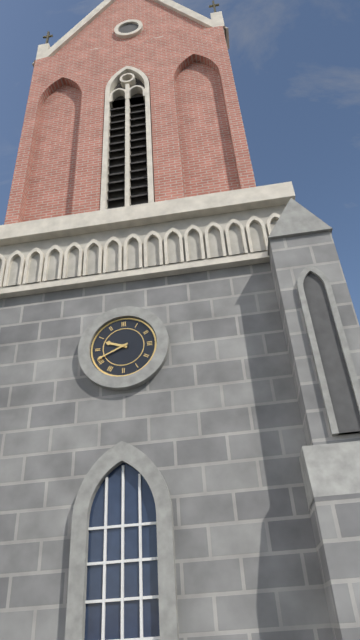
9:41
